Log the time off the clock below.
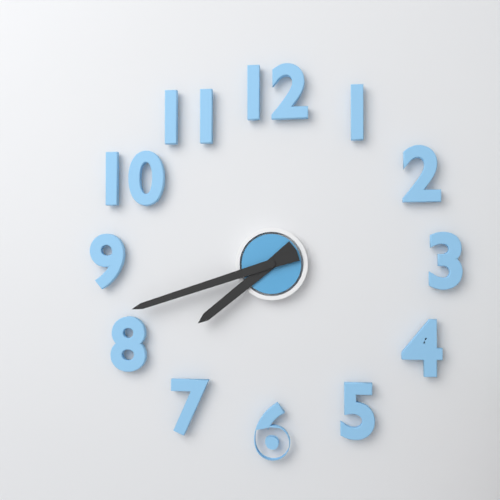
7:42
